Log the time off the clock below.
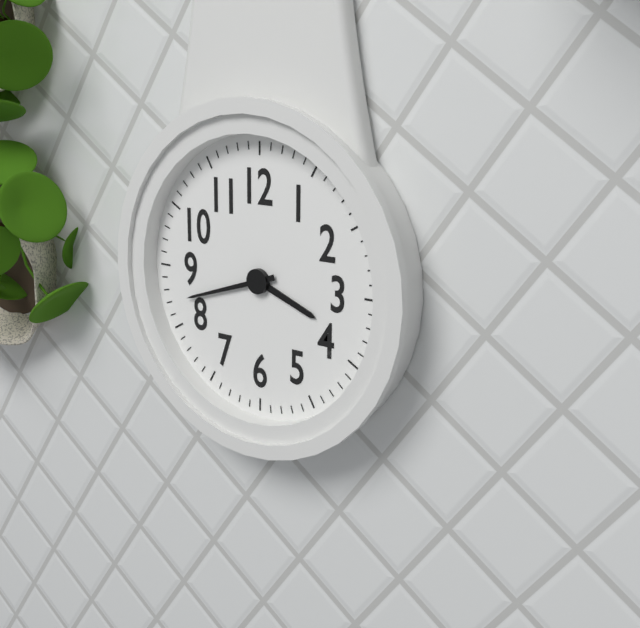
3:42
